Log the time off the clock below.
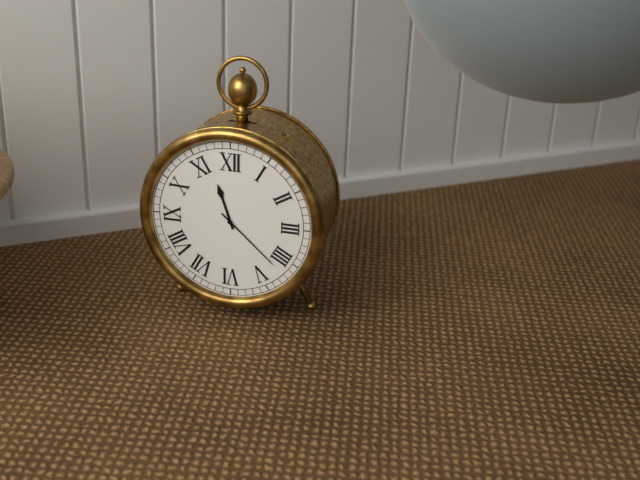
11:22
